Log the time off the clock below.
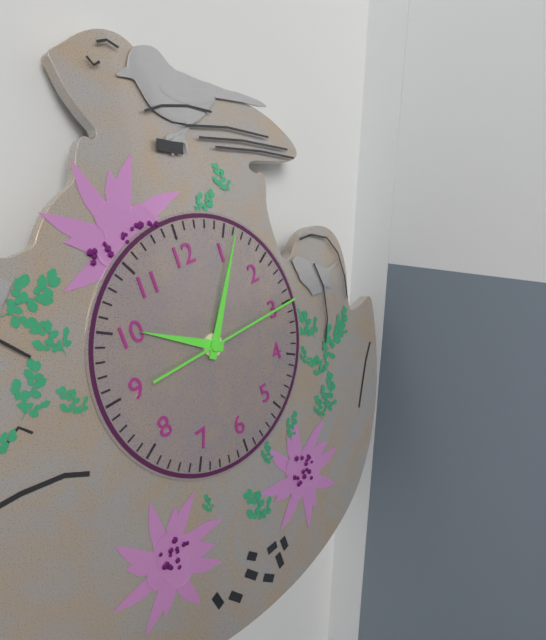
10:06:15
